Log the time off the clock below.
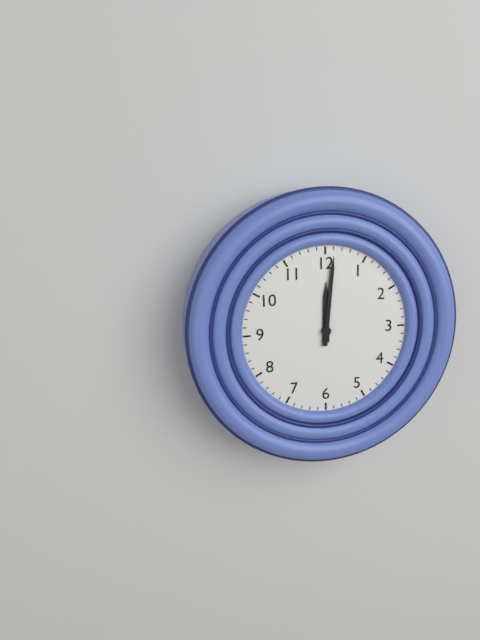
12:01
